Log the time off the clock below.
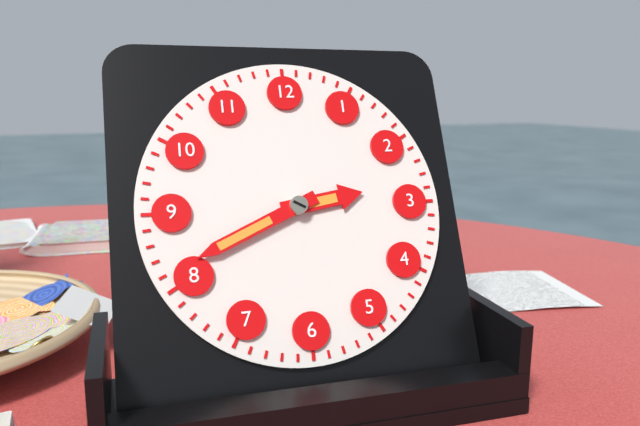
2:41
